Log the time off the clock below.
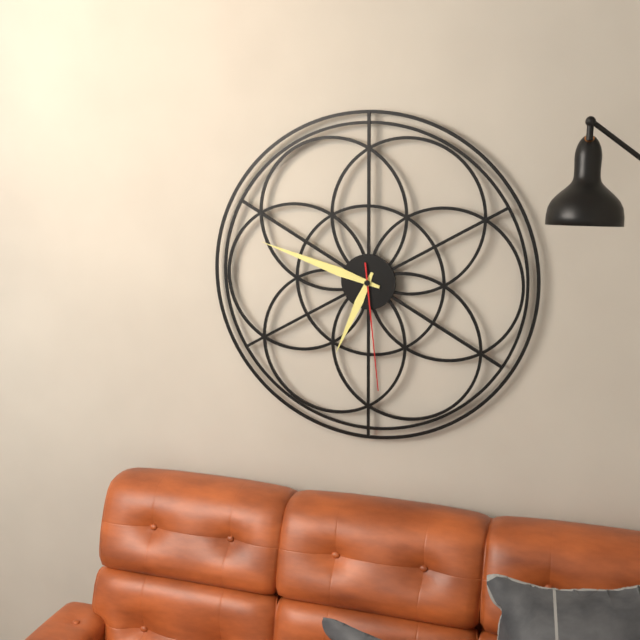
6:48:29
